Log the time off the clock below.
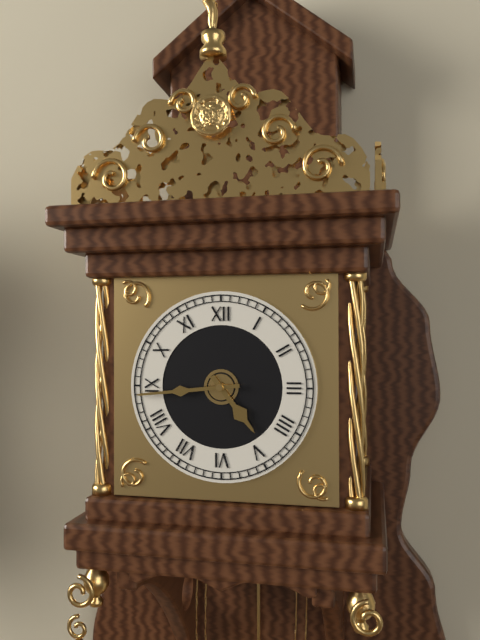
4:44
